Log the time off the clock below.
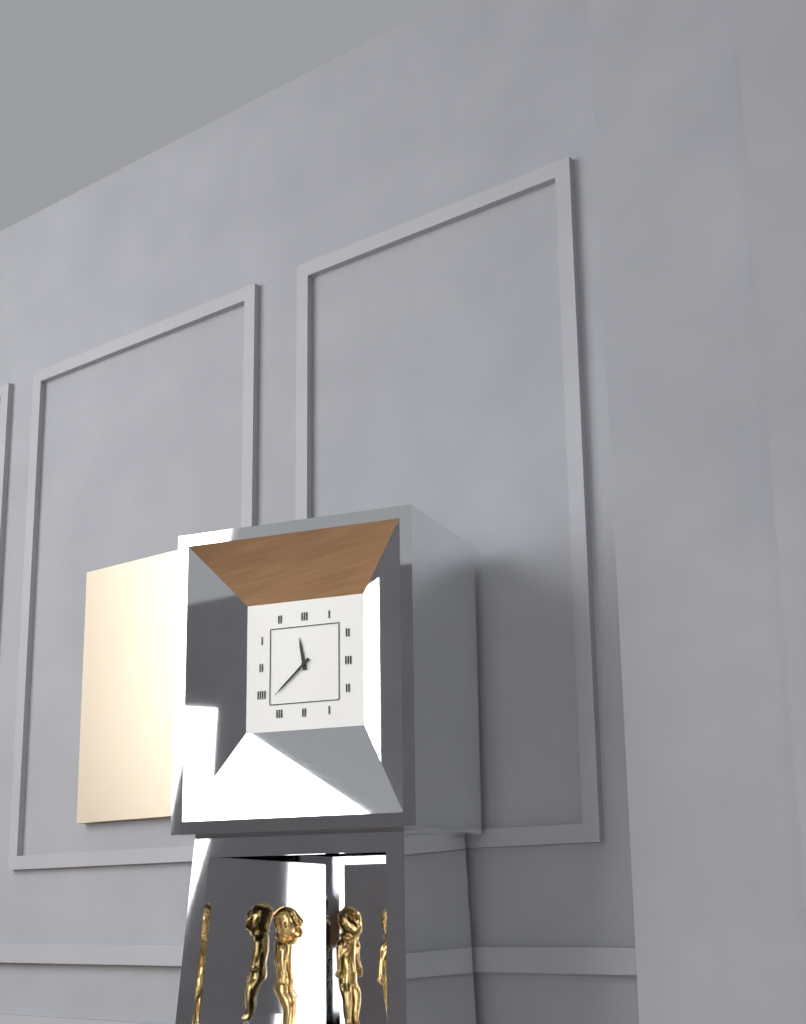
11:38
